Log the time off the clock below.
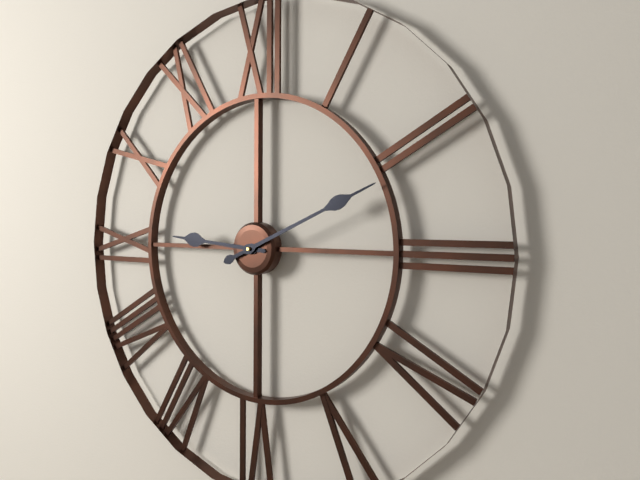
9:11
